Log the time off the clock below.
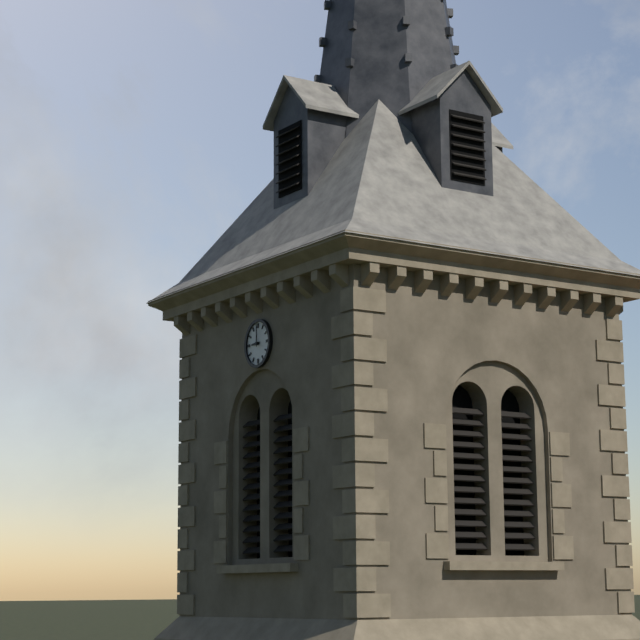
9:00
